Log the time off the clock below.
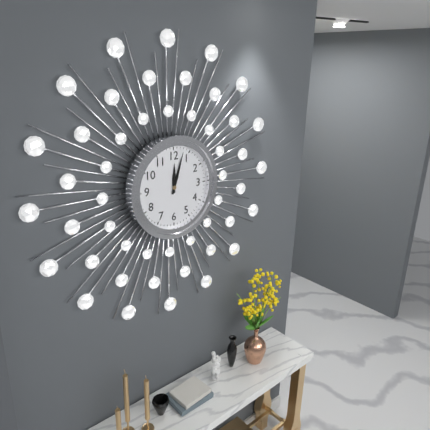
12:03
